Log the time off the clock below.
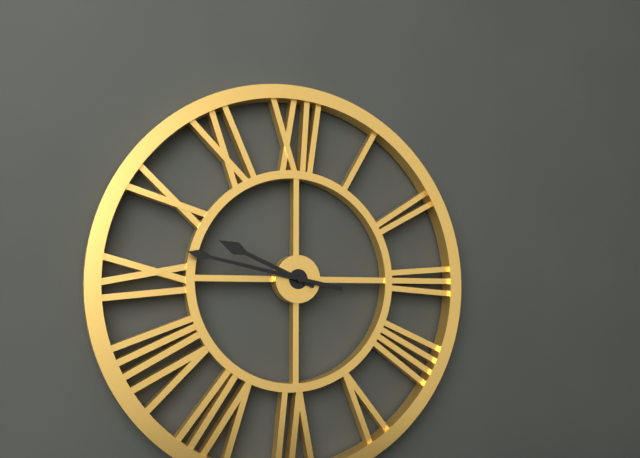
9:47
